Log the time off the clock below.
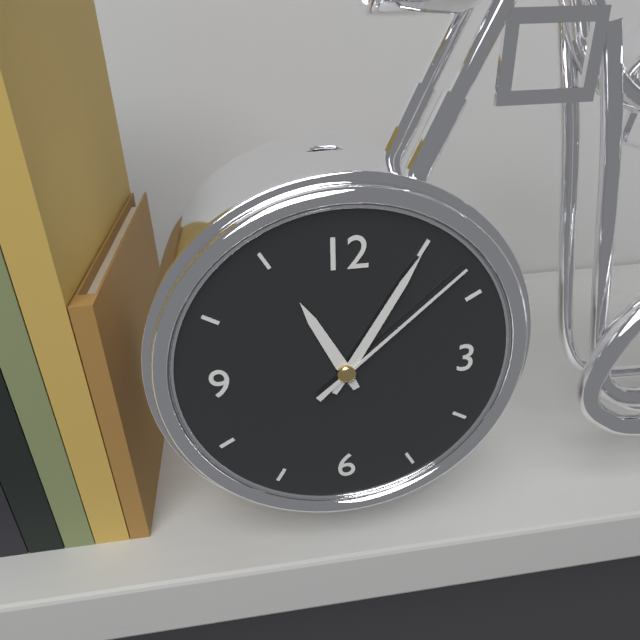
11:05:08
